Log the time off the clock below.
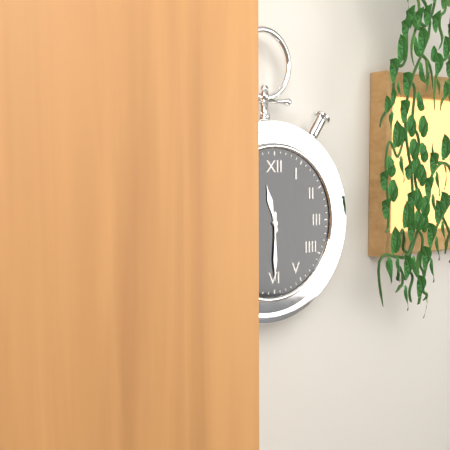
11:30
